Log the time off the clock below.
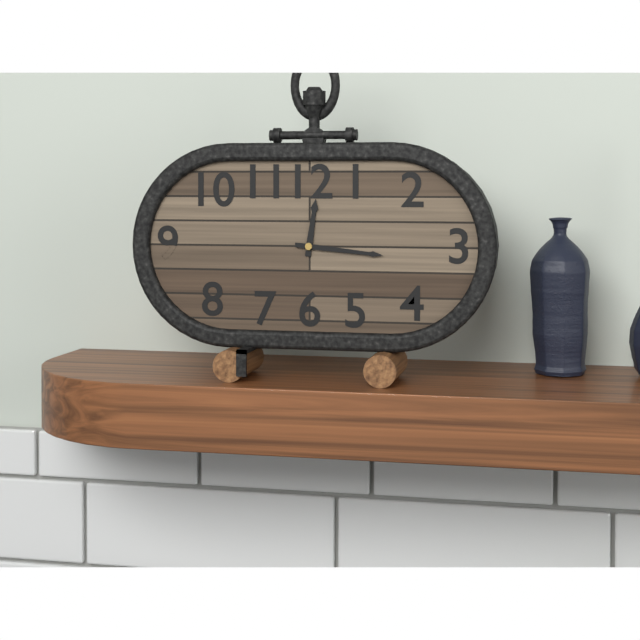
12:16
